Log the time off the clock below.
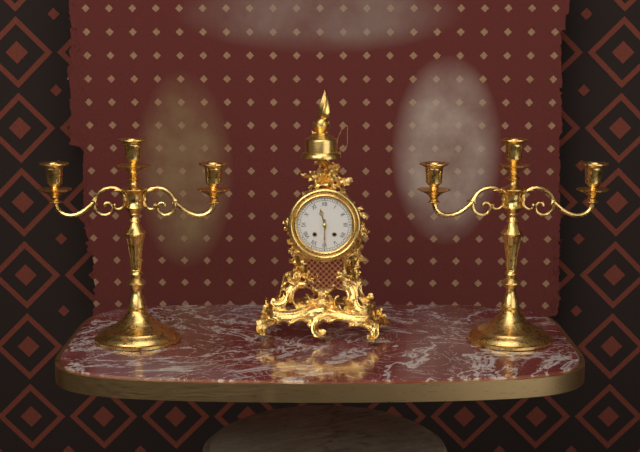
11:30
